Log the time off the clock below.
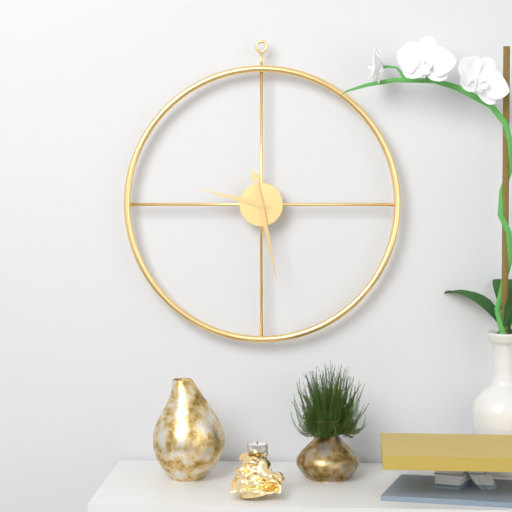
9:28
